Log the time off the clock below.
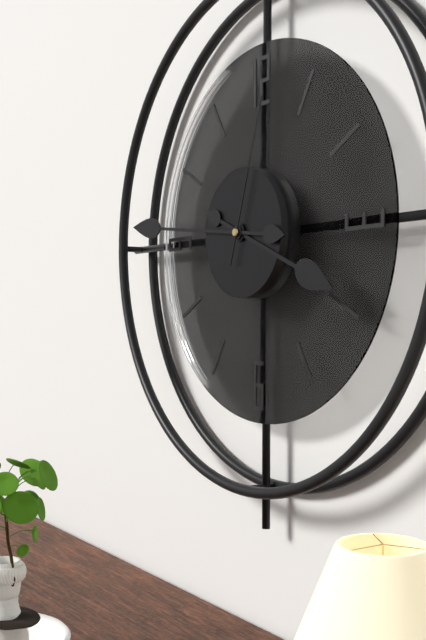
3:46:03
